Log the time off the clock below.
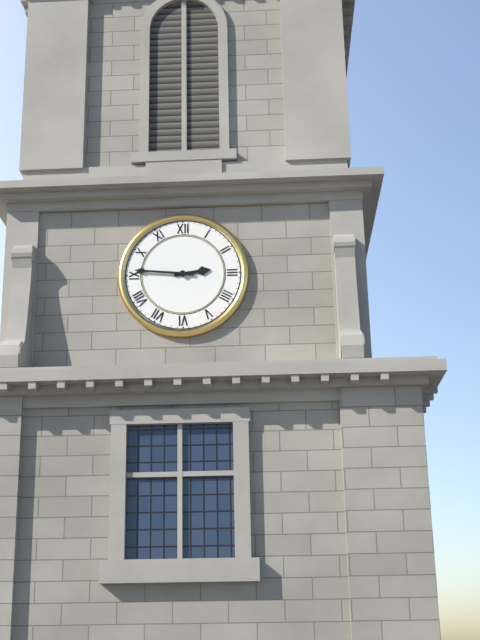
2:46
